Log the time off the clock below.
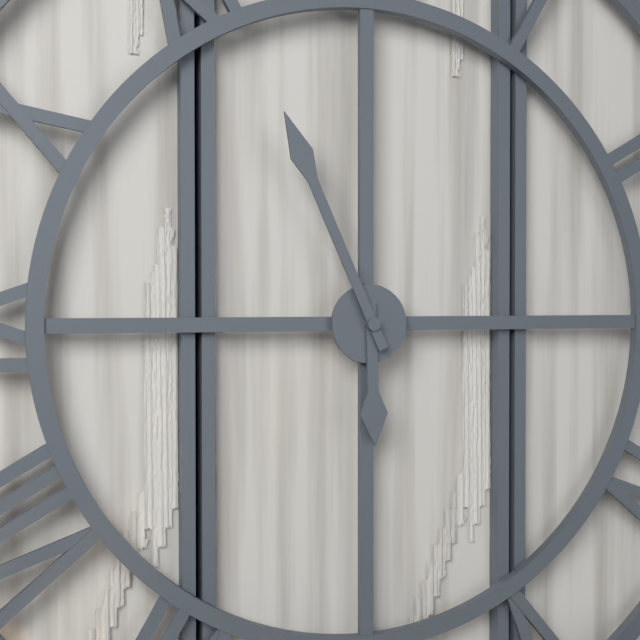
5:56
